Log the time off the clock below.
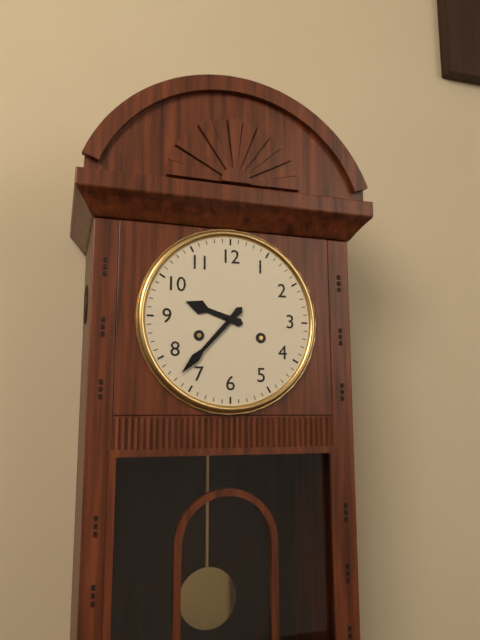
9:37
